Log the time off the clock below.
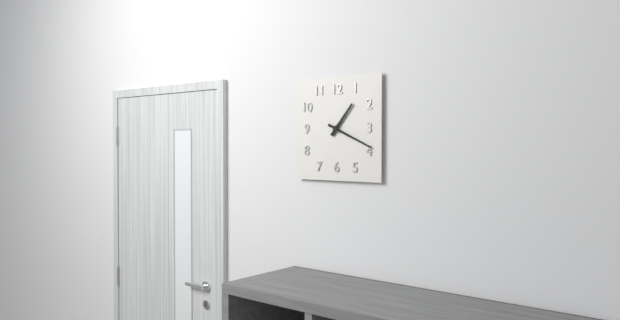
1:19
